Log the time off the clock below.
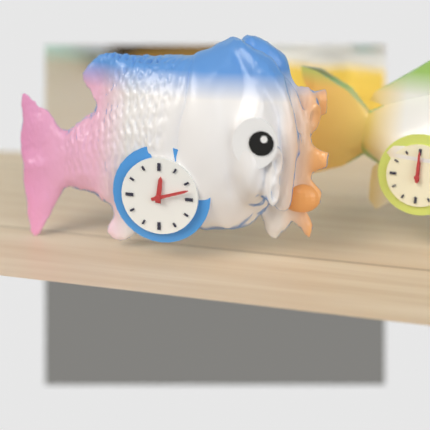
12:12
